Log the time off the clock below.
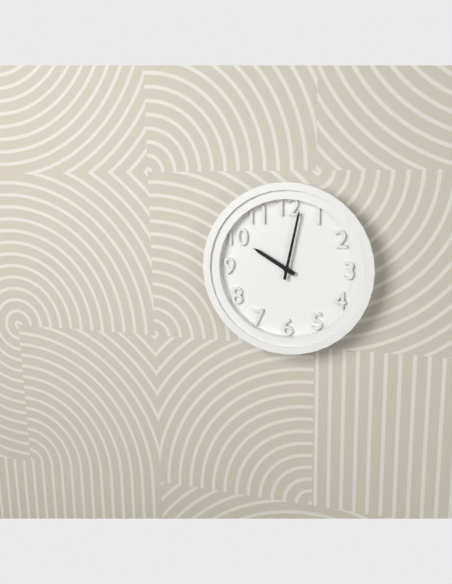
10:02
